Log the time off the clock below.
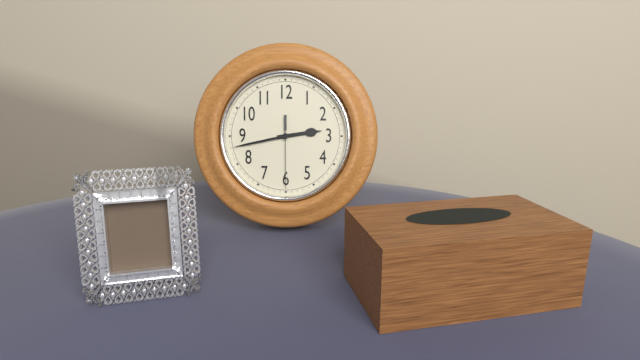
2:43:30
